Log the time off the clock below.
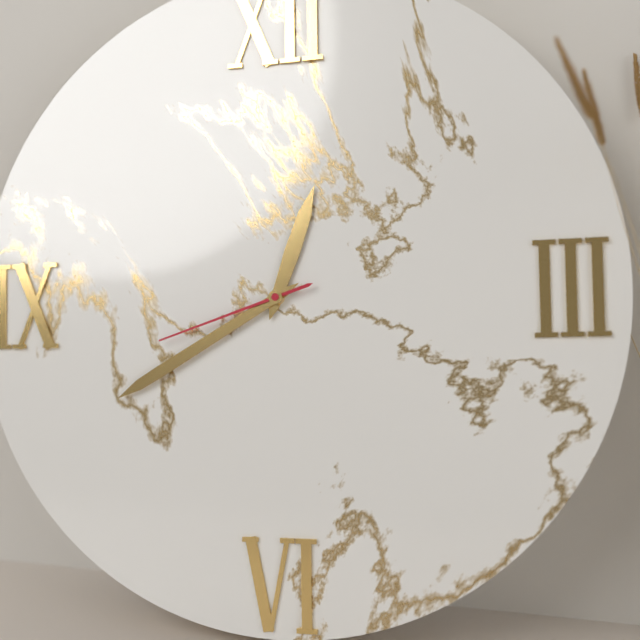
12:40:42
